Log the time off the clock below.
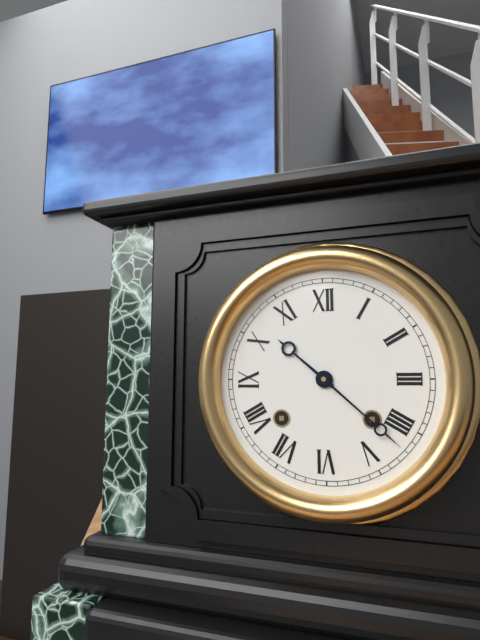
10:22
